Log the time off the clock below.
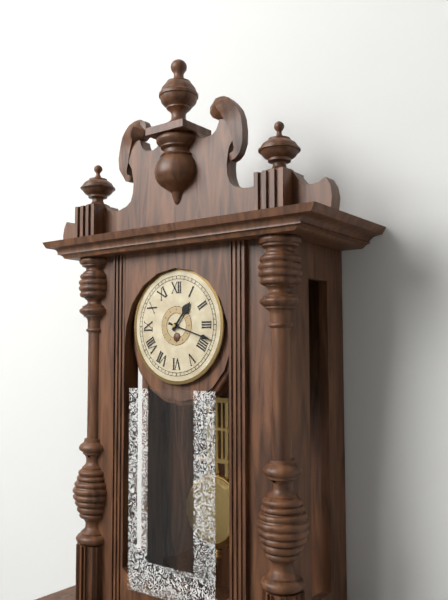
1:18
